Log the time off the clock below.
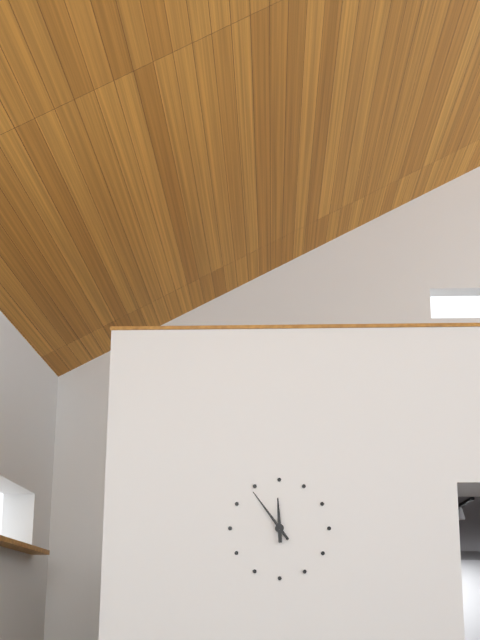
11:54
